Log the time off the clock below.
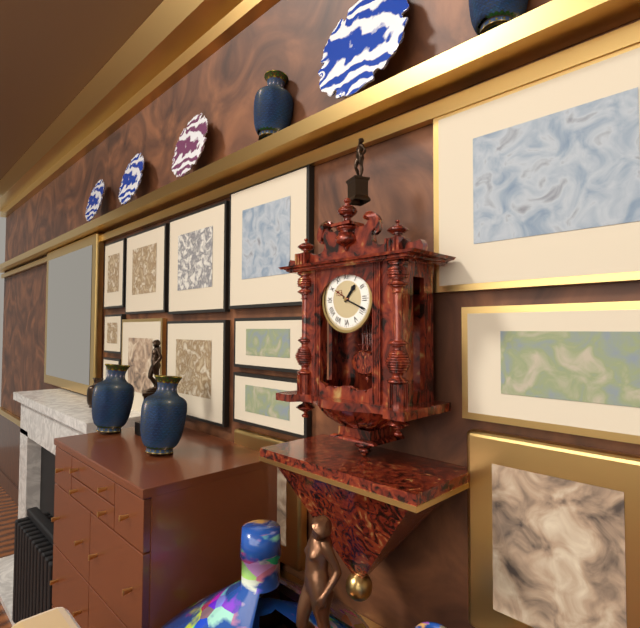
1:19
